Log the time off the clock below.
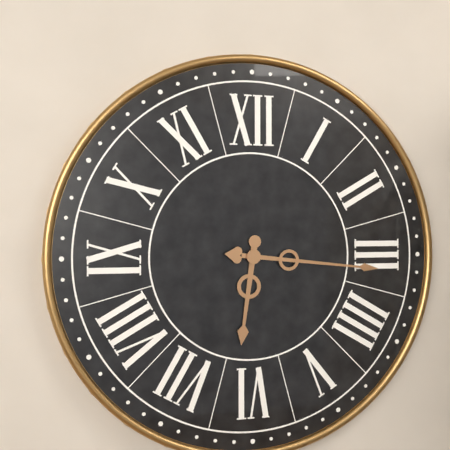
6:16
